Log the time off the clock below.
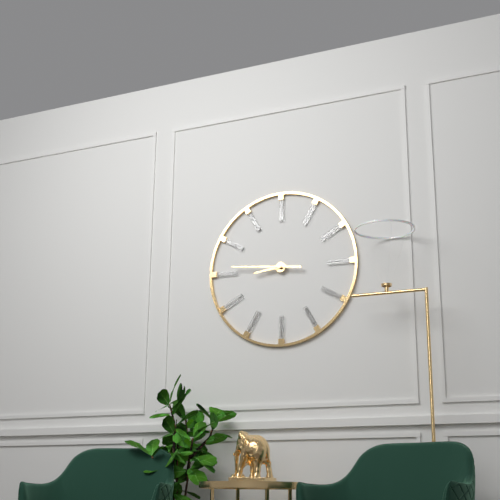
8:46
